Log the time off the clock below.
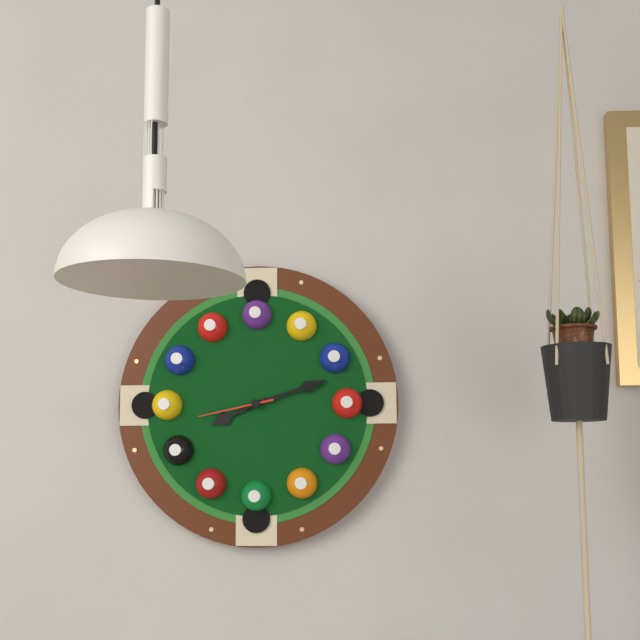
8:12:43
